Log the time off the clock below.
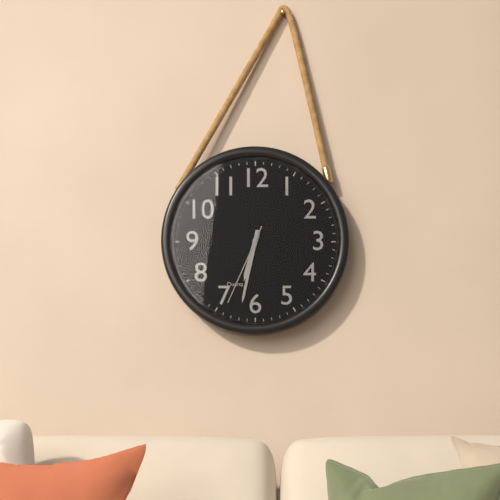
6:32:34
